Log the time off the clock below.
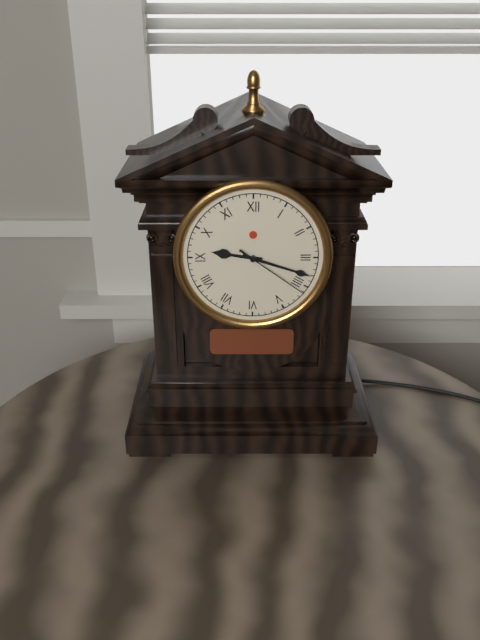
9:18:21
